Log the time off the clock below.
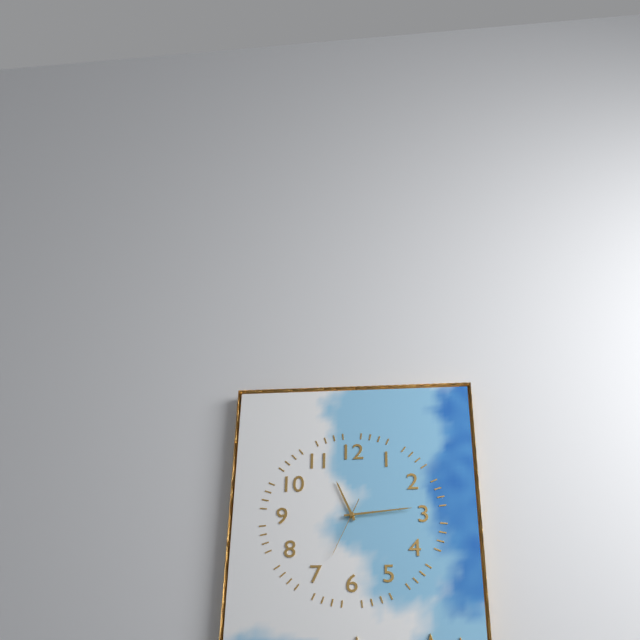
11:14:34
